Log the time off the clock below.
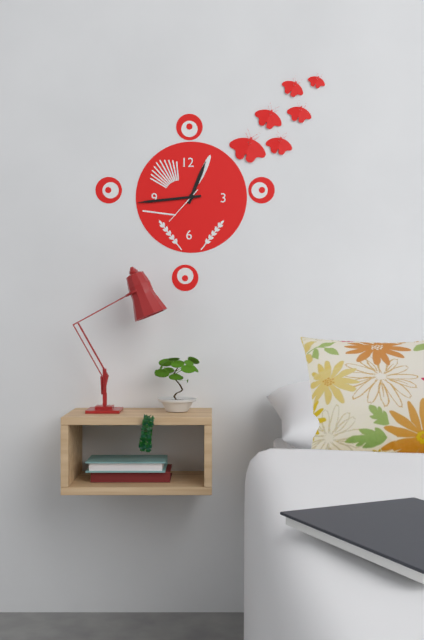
12:44
